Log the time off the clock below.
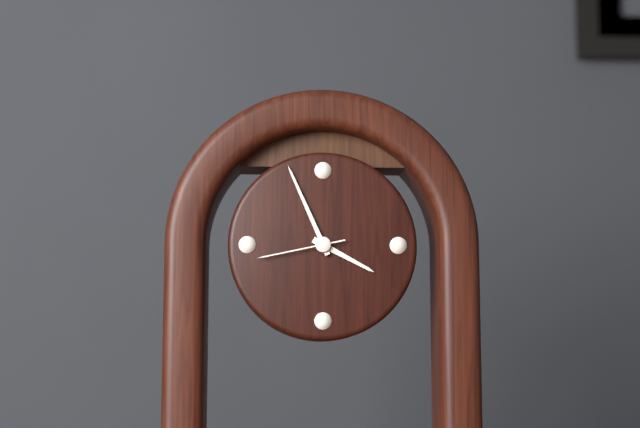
3:56:43
